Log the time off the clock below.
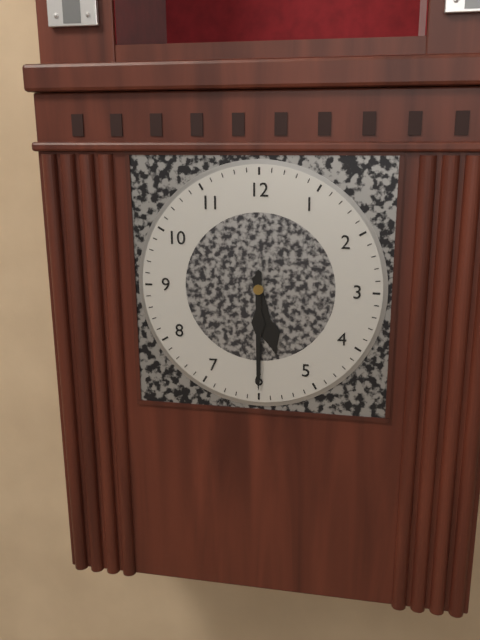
5:30
